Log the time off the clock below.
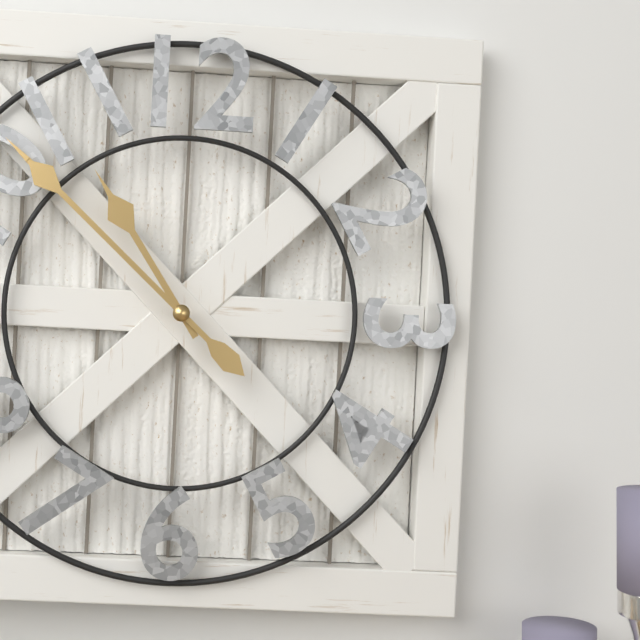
10:52
